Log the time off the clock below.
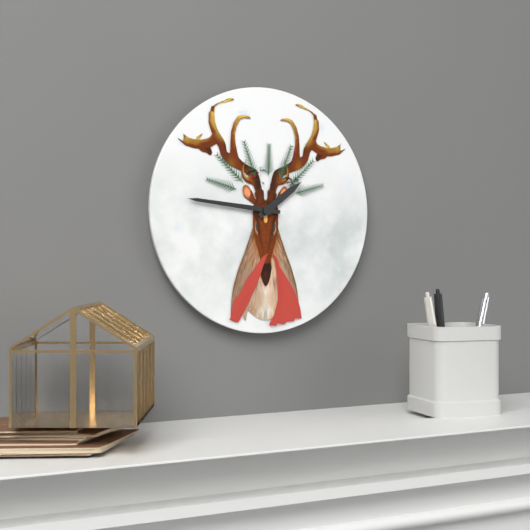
1:46
